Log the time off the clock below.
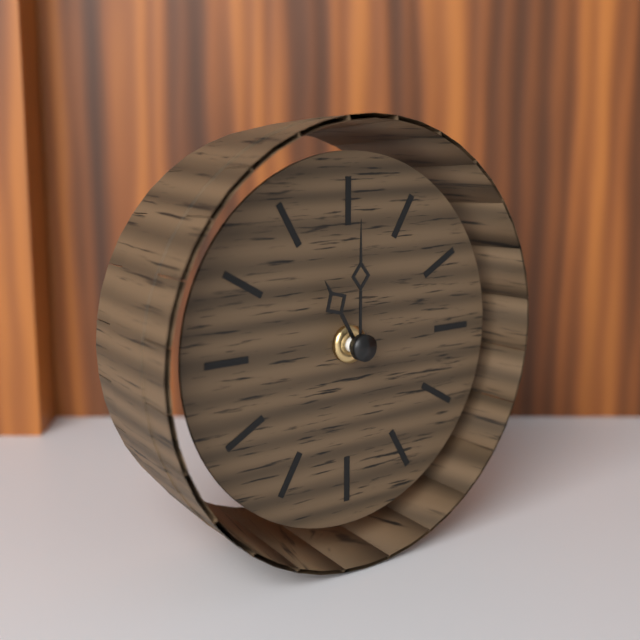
11:00
